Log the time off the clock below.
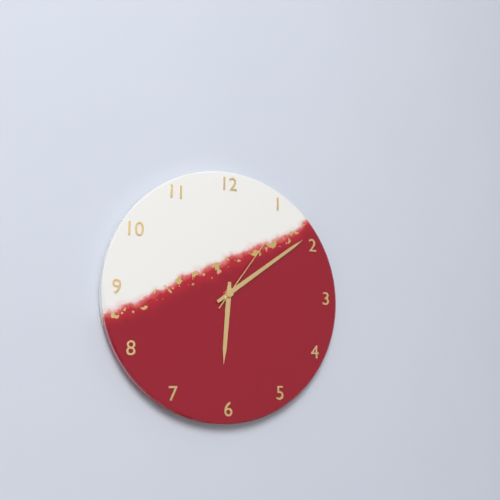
6:09:06
